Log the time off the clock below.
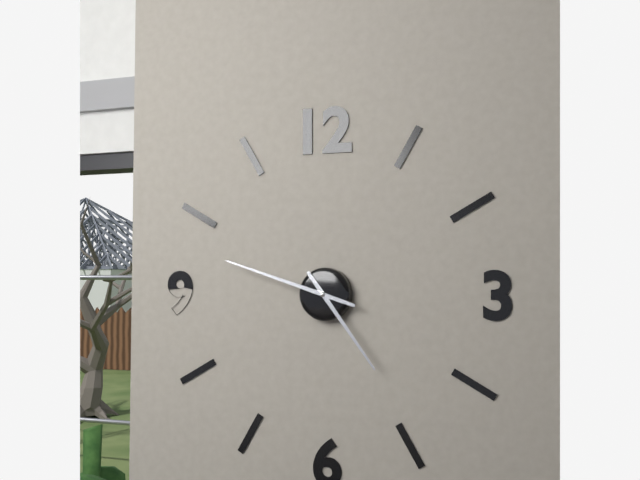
4:48
